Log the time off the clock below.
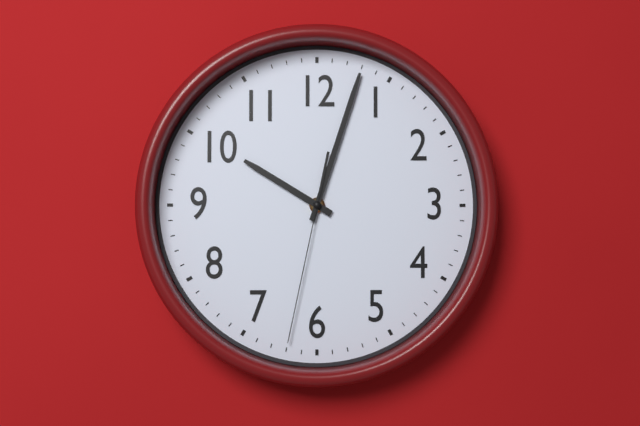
10:03:32
